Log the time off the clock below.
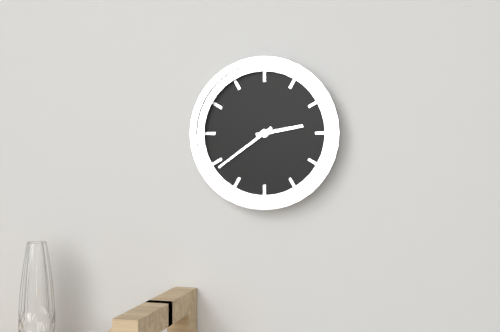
2:39
